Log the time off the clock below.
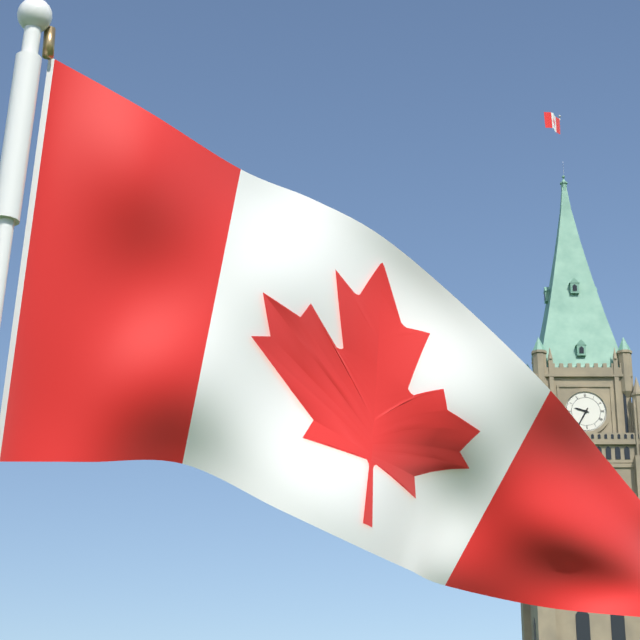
9:35
